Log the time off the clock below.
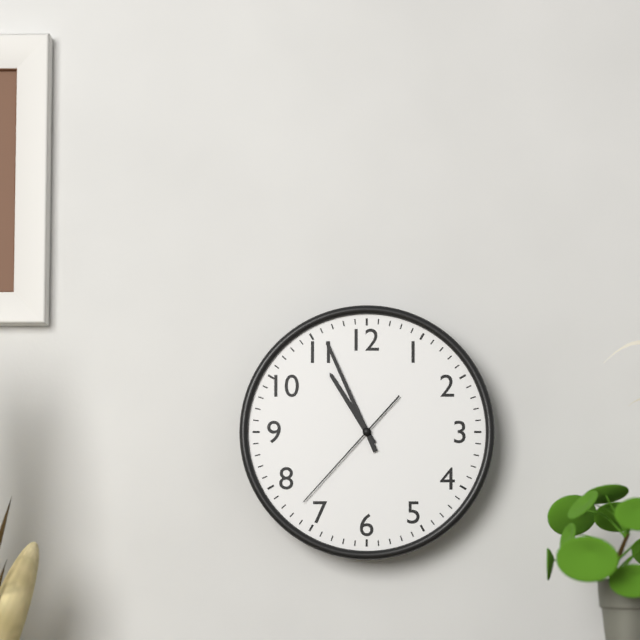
10:56:37
